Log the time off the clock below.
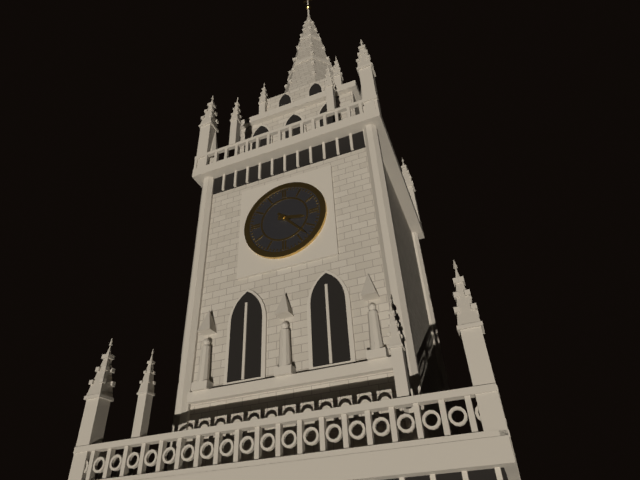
3:23
